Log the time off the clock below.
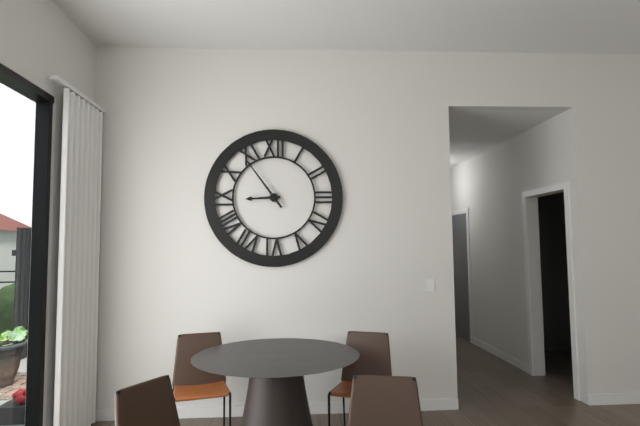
8:54
